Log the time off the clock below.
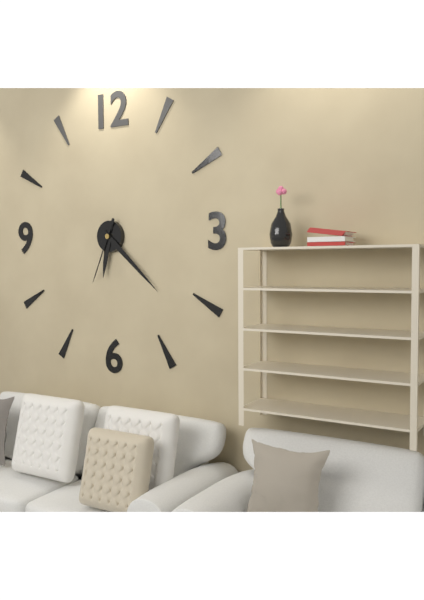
6:22:34
